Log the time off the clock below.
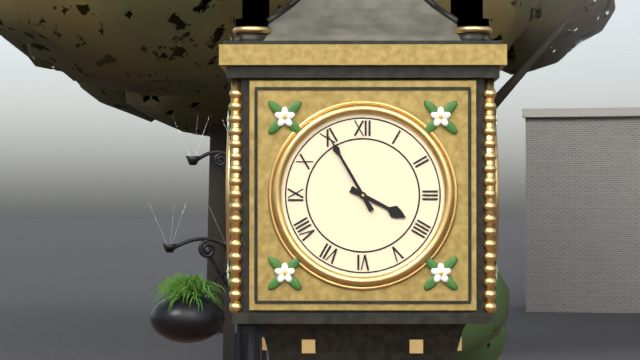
3:55
